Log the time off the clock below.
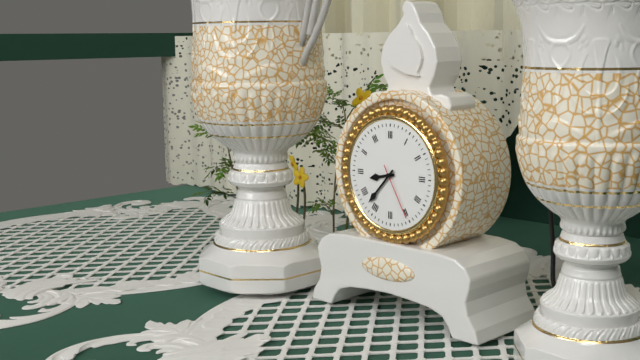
8:37:25
